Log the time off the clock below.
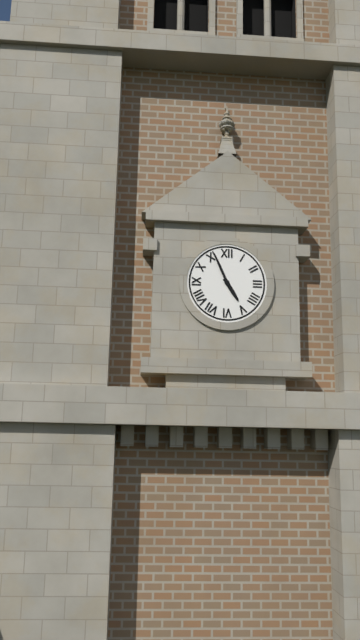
4:56
